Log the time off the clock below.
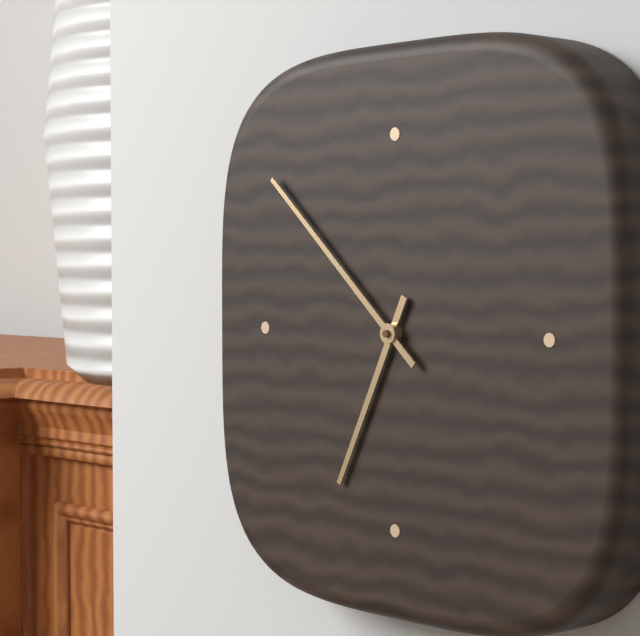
6:52
